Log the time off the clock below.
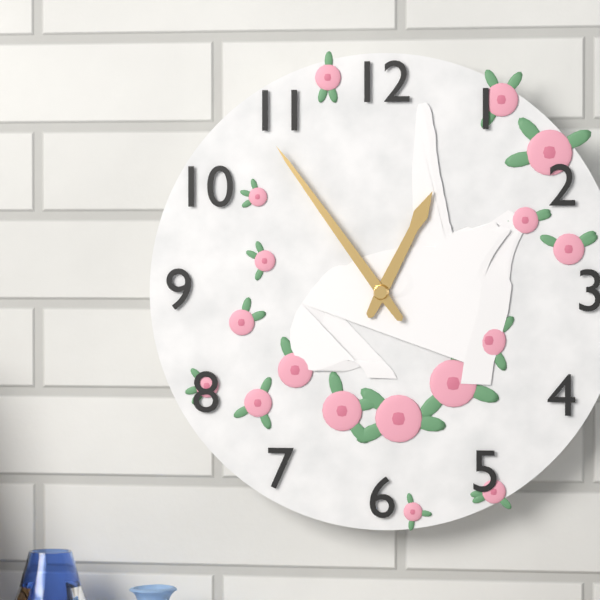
12:54
